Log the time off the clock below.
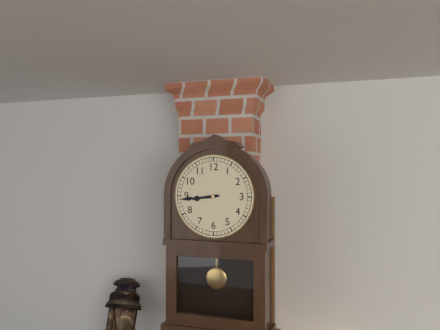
8:44
